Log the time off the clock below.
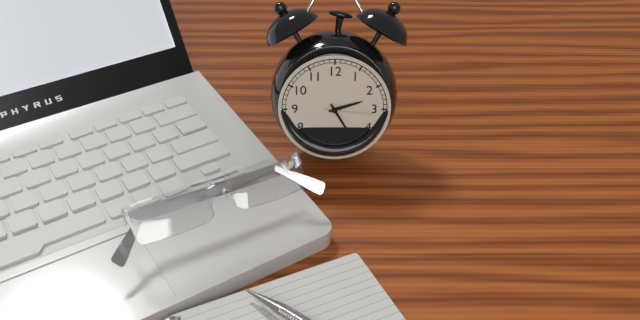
2:25:16
